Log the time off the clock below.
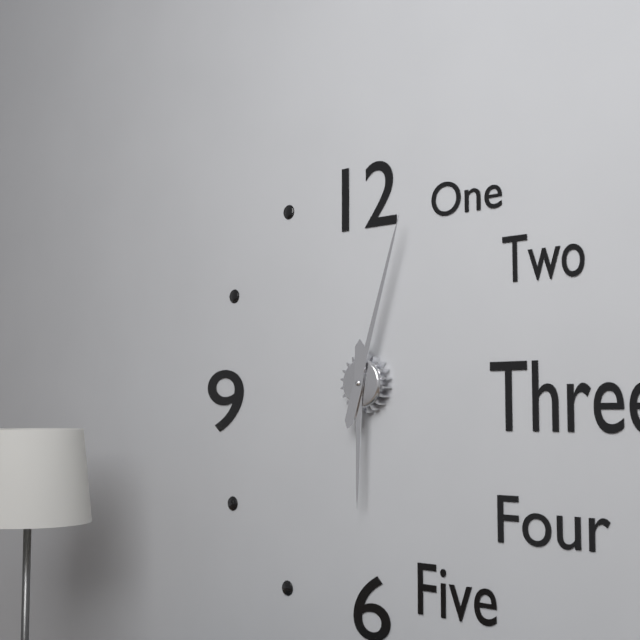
6:03
